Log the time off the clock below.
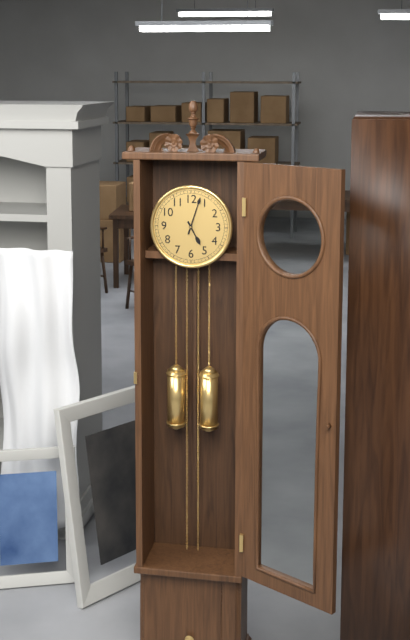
5:03
